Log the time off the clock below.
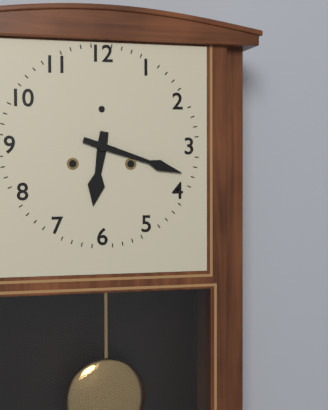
6:18
